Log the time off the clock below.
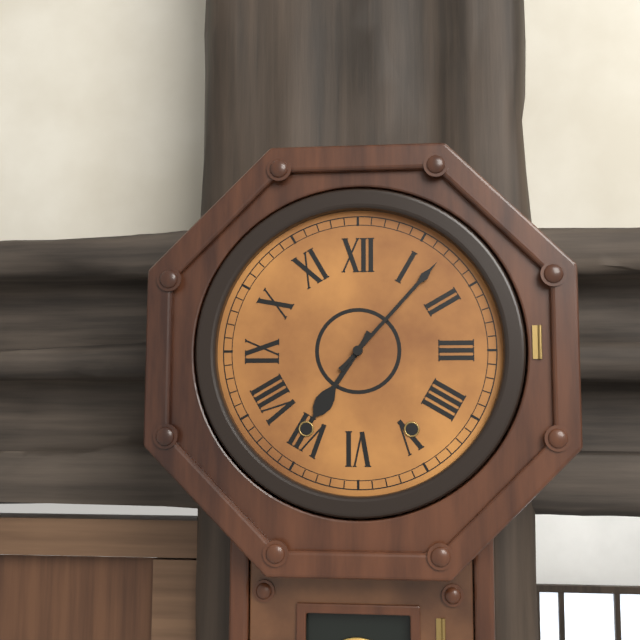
7:07
